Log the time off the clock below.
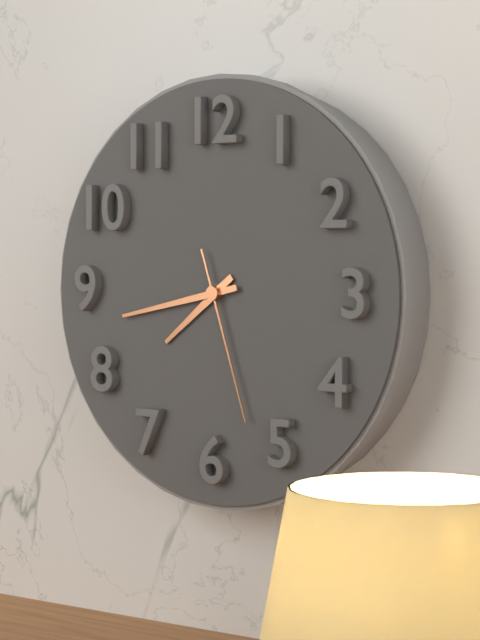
7:43:27
